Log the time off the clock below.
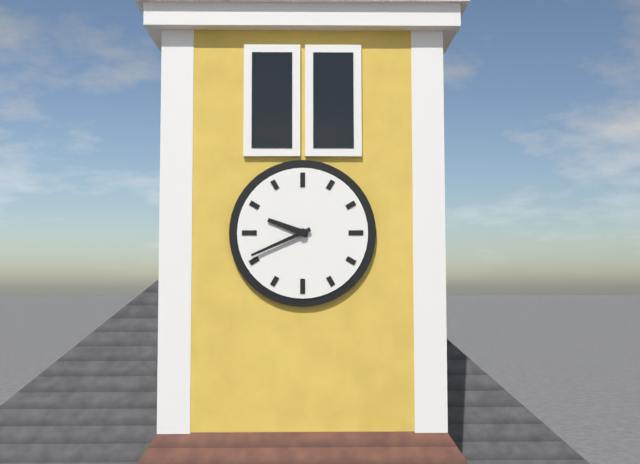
9:41
